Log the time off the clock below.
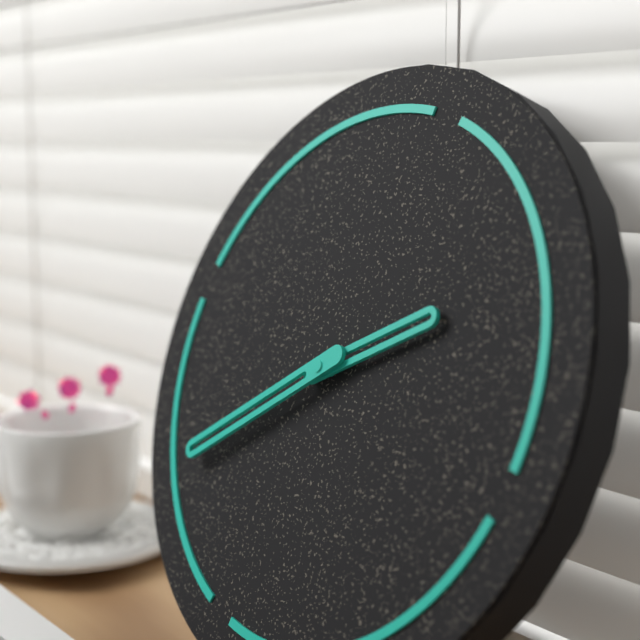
1:37
